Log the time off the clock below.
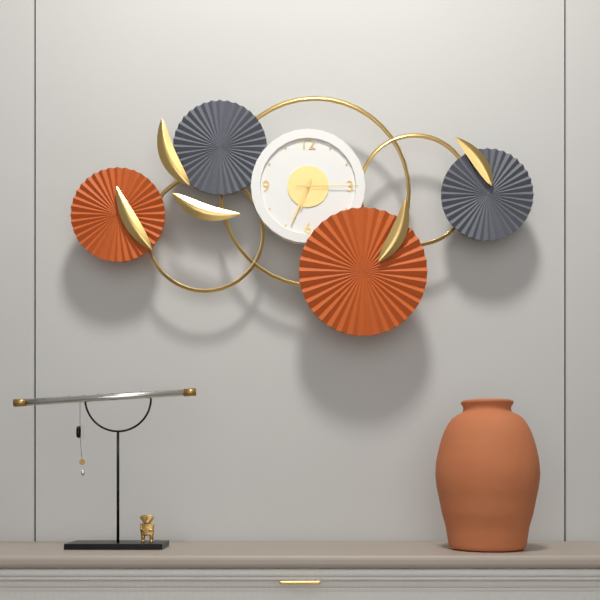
6:34:15
